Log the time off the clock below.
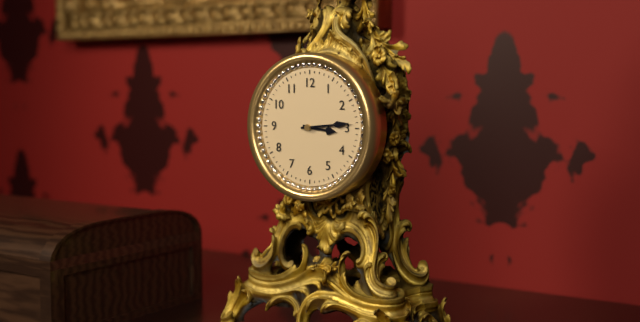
3:14
